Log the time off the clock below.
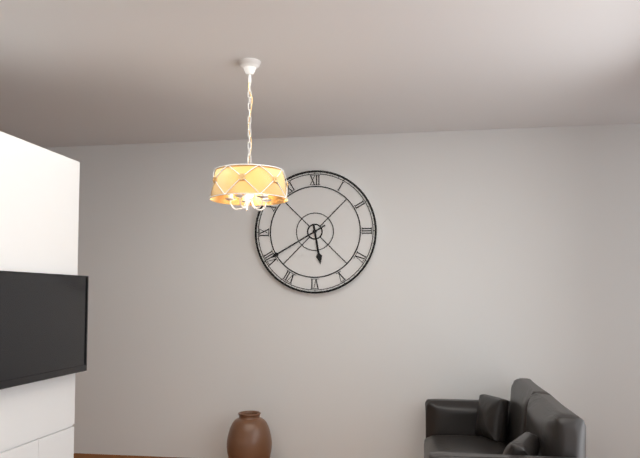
5:40
